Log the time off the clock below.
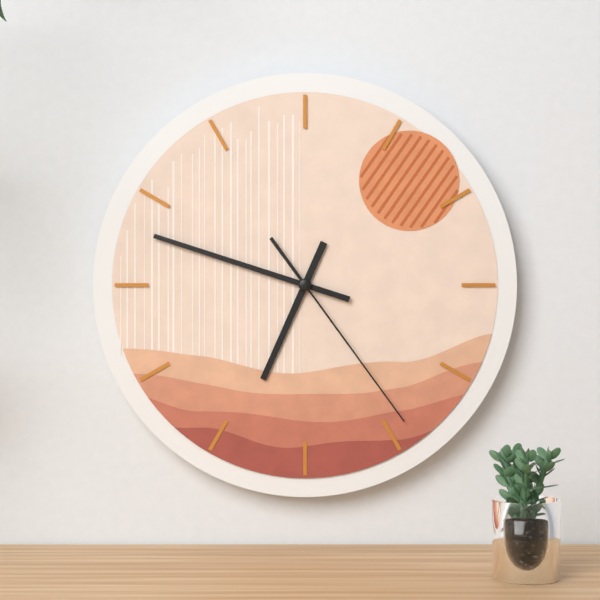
6:48:24
